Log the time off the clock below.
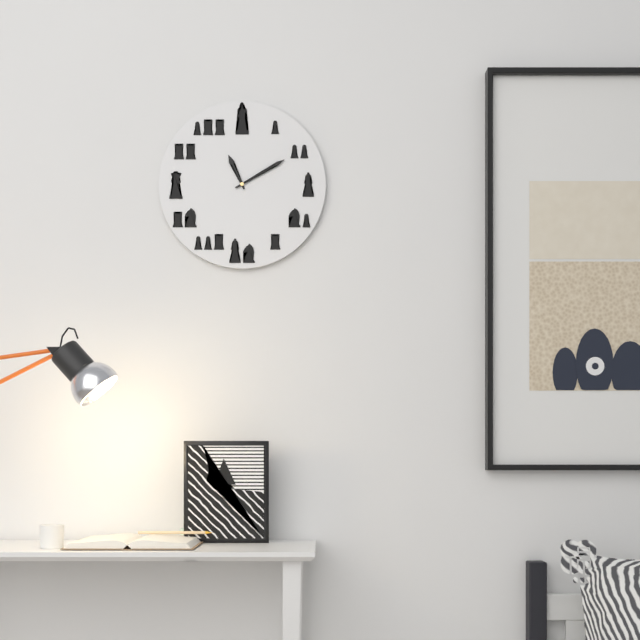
11:10
